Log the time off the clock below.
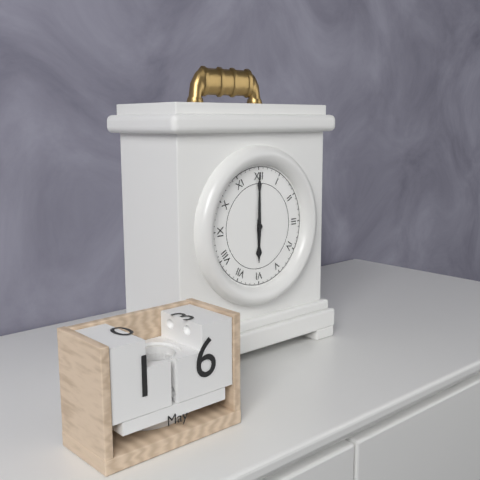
6:00
